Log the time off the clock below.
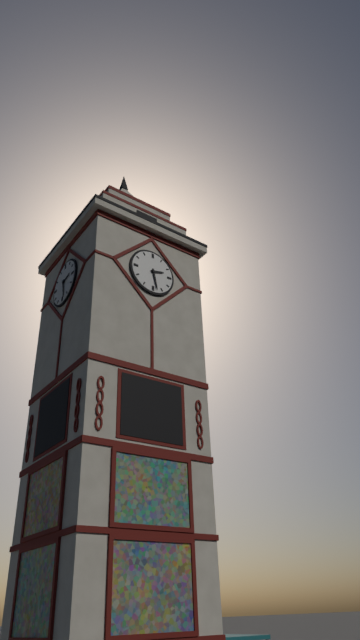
2:28
